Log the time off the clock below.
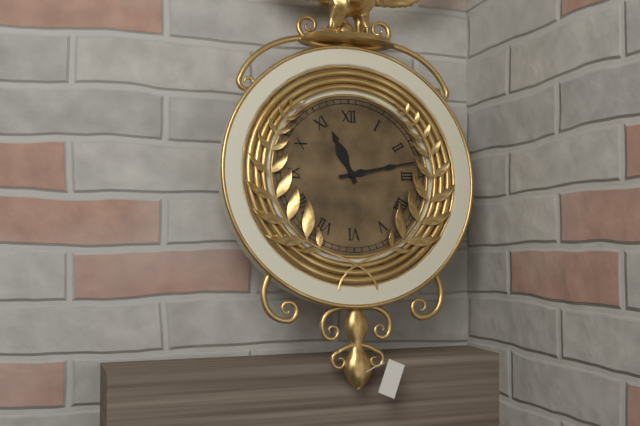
11:13
